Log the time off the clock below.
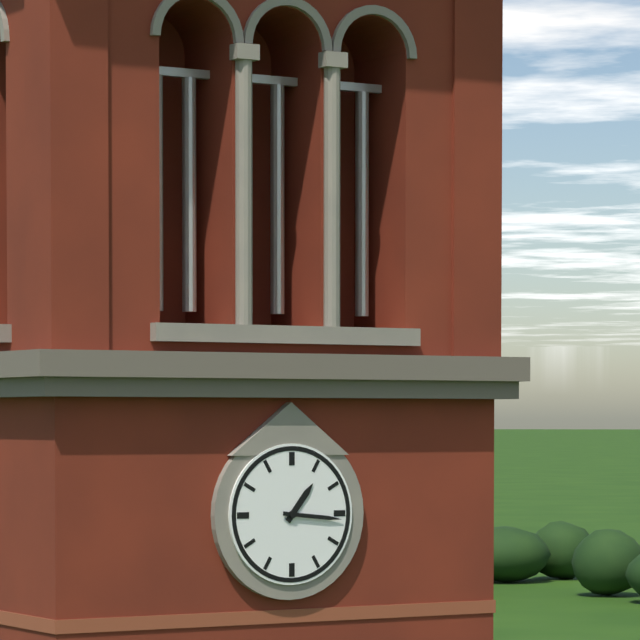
1:16
